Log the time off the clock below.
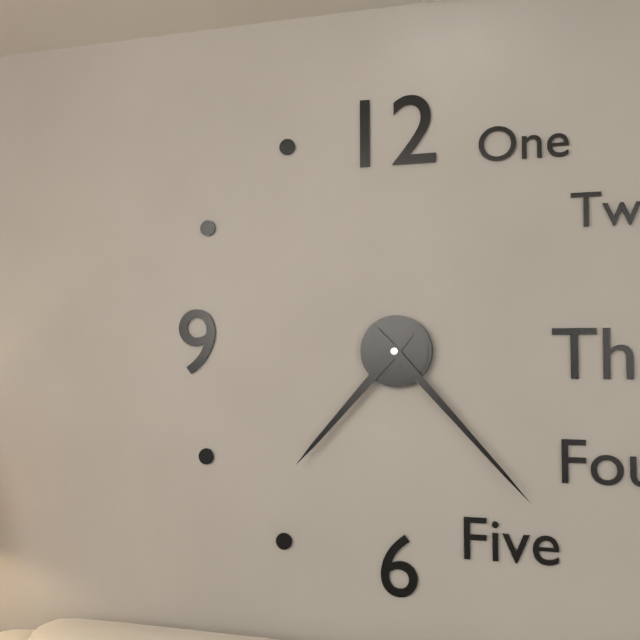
7:23
